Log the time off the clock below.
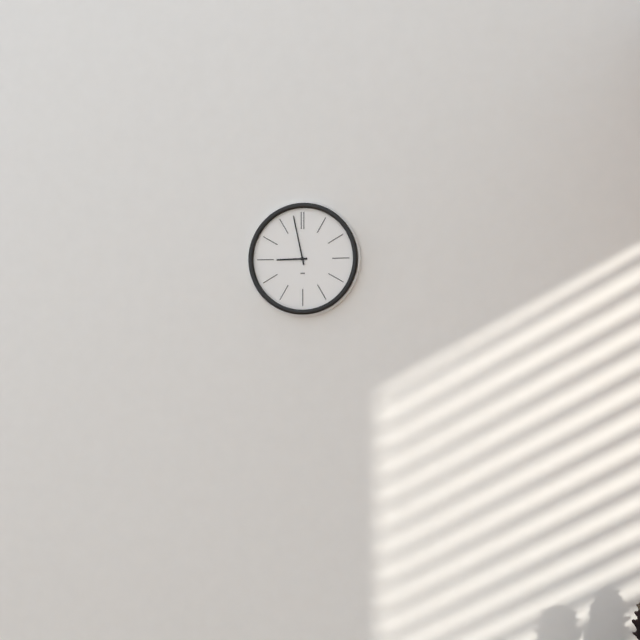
8:58
